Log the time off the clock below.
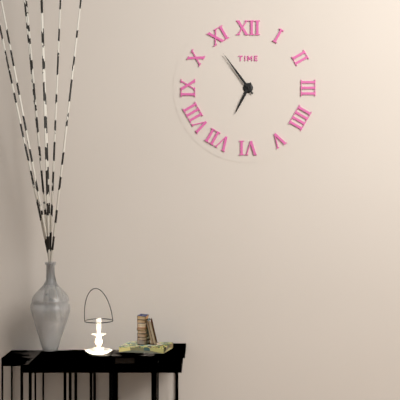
6:54
